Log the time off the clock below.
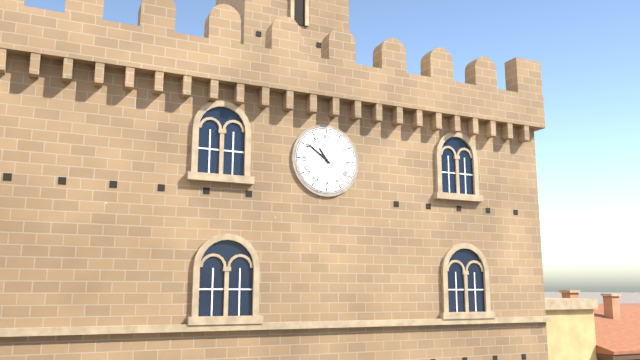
10:51
